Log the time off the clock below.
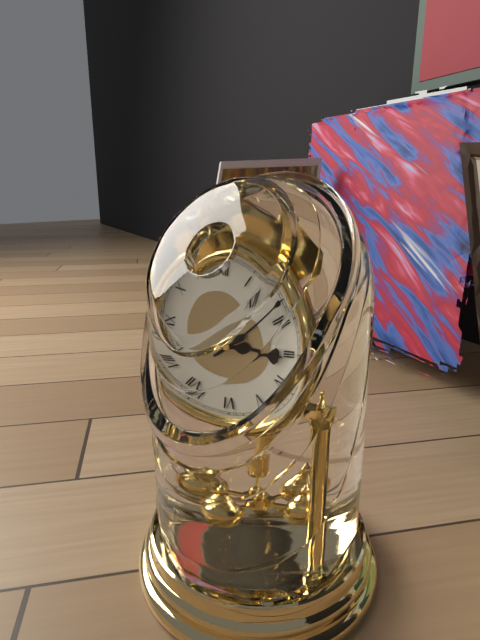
3:08
